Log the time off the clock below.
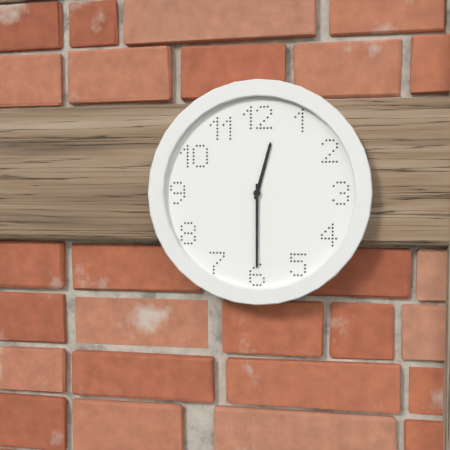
12:30
